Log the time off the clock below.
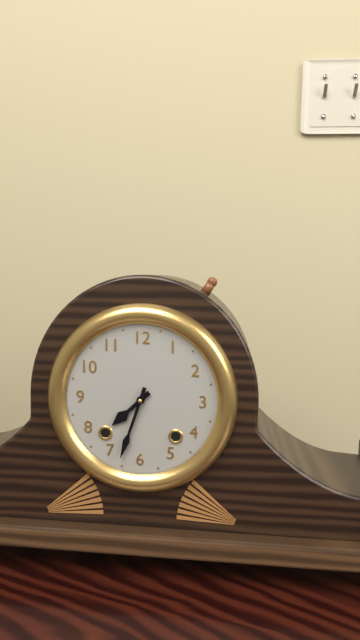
7:33
